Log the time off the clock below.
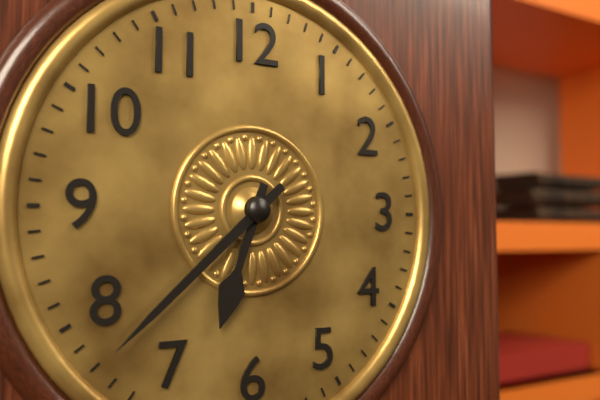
6:38
